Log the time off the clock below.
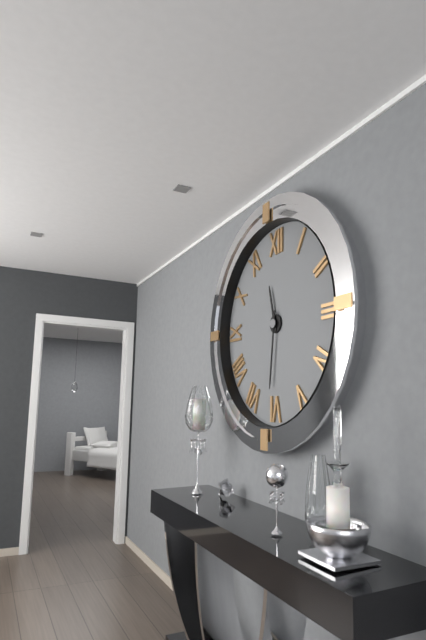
11:31
